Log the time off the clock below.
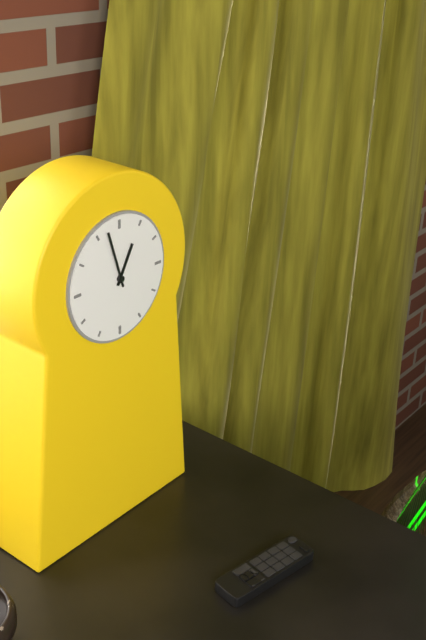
12:57
